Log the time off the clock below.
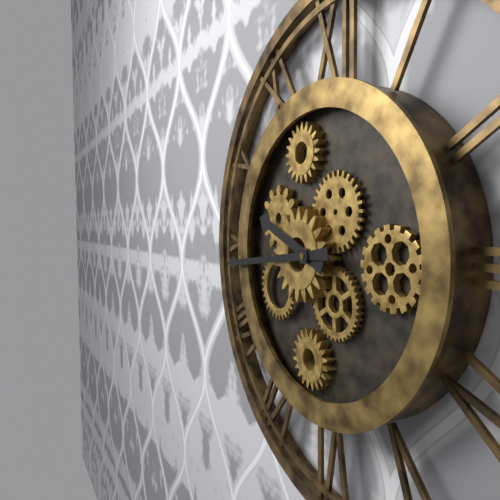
9:44
